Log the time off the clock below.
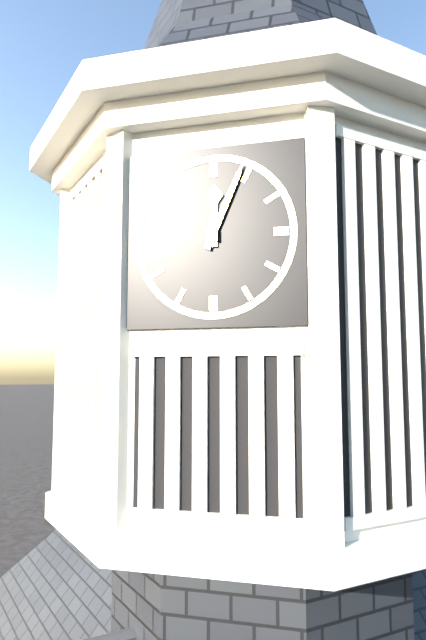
12:04
